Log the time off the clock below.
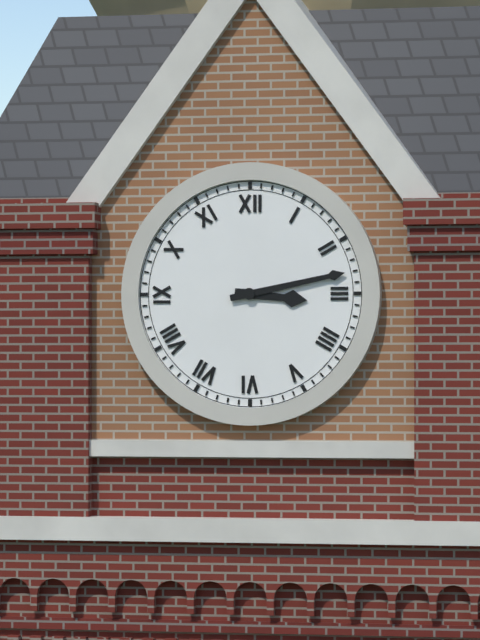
3:13
